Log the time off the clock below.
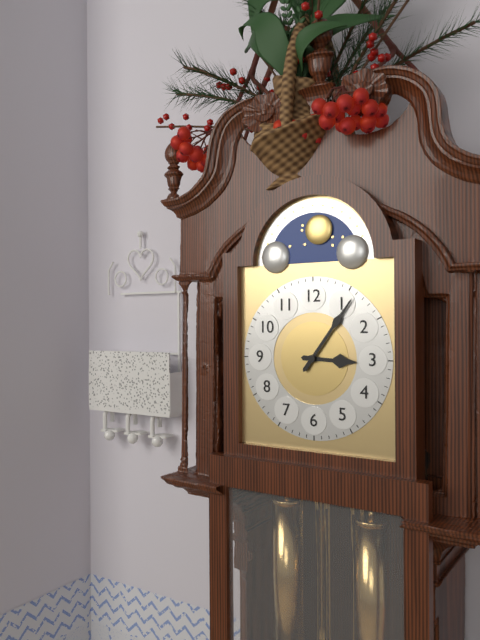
3:06
